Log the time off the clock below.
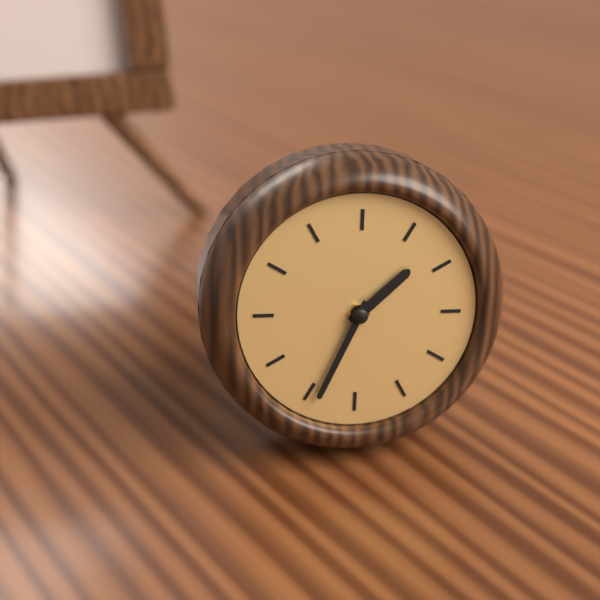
1:34
